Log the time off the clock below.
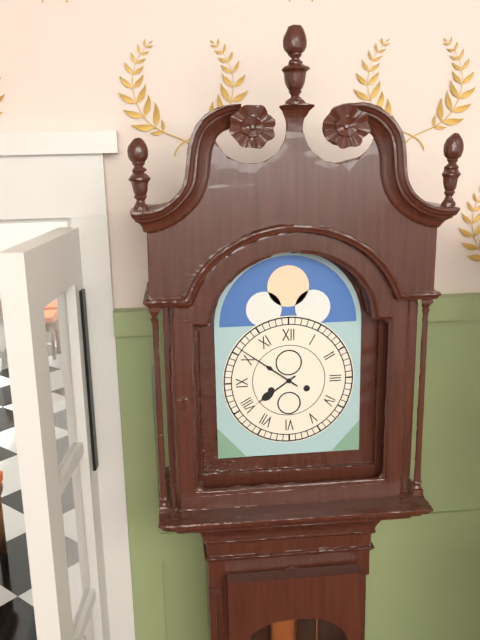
7:51
